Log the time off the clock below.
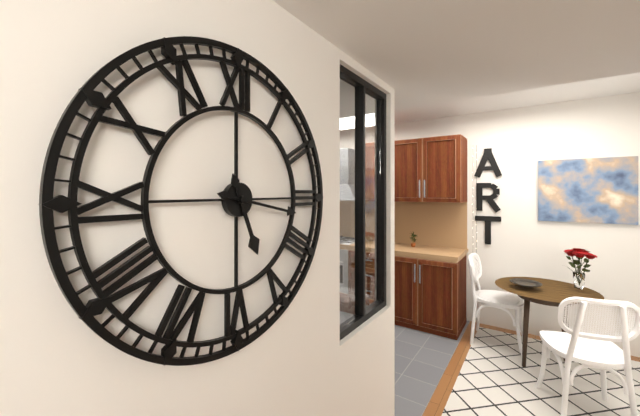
5:17
